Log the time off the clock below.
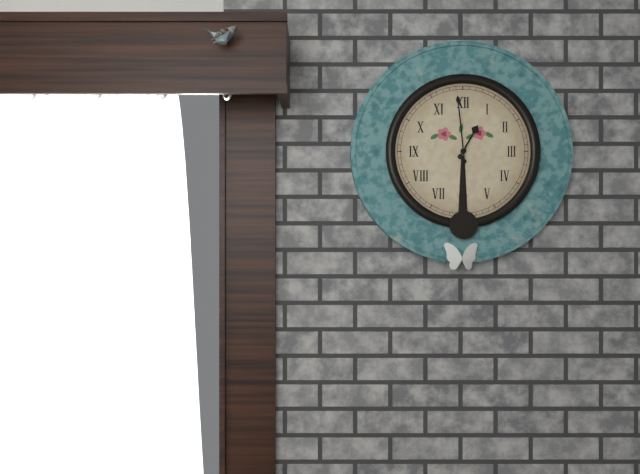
12:59
